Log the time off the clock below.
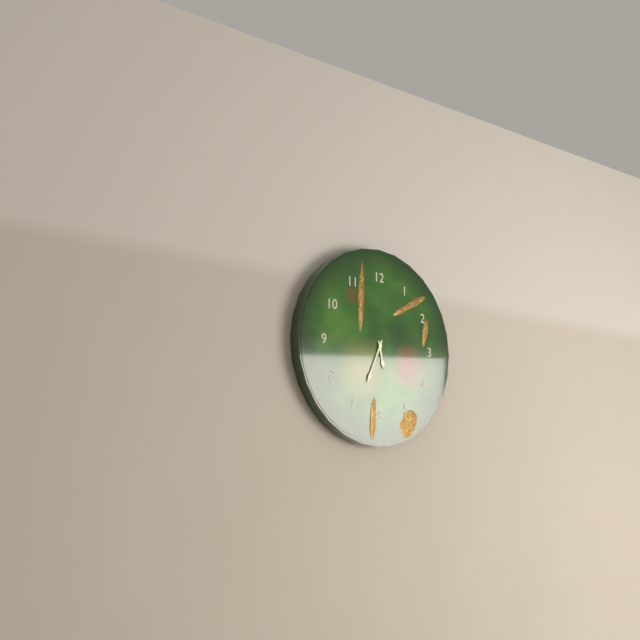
5:34
